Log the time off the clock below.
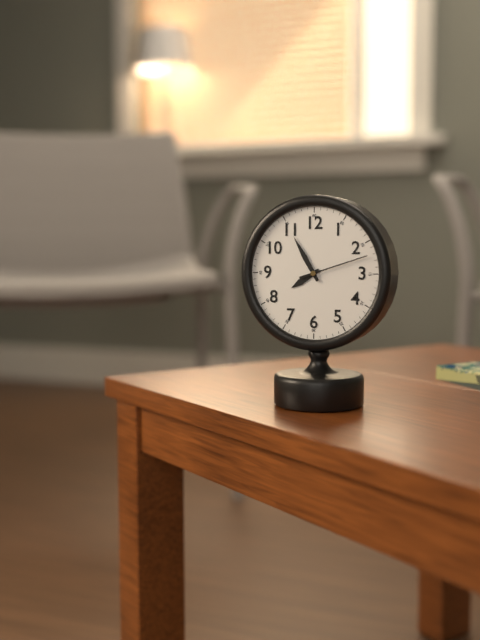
7:55:12
